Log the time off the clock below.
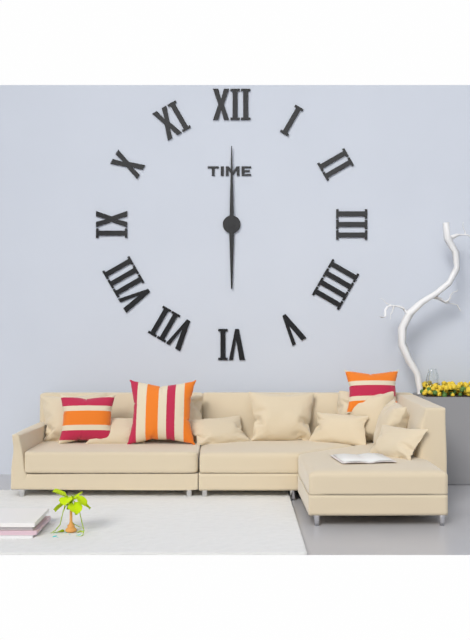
6:00
